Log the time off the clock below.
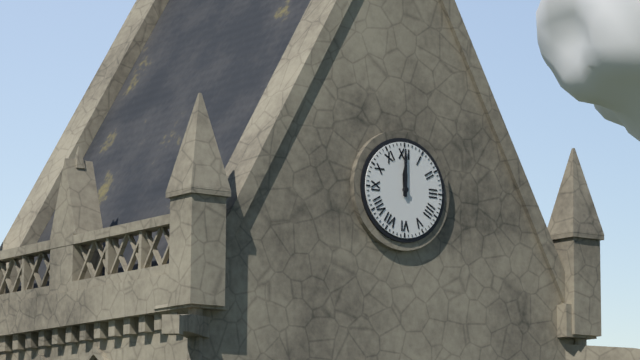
12:00
